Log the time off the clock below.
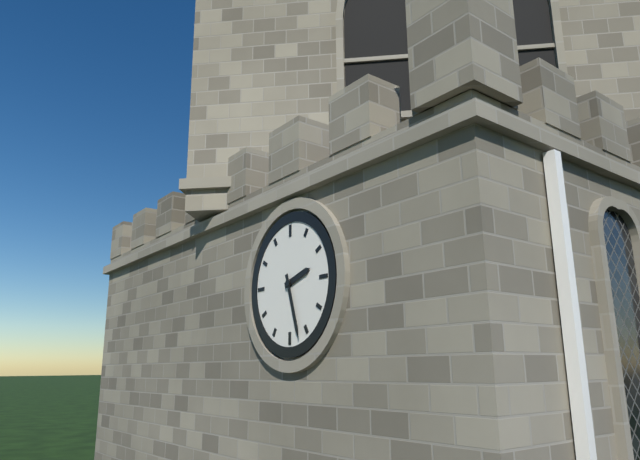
2:27
